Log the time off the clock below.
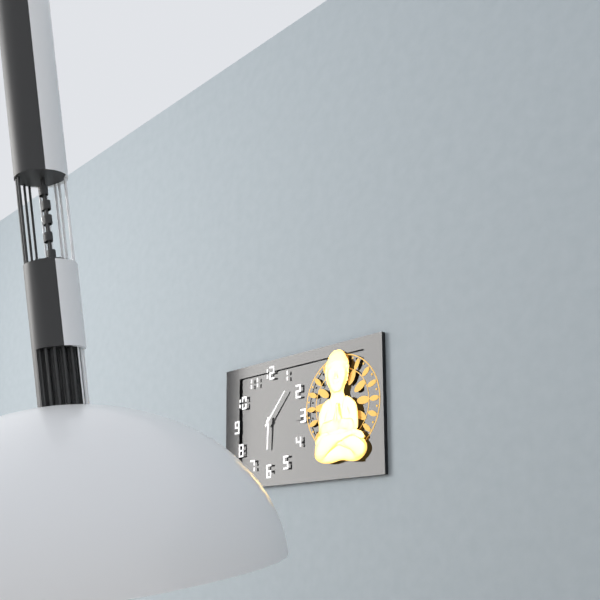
6:07
